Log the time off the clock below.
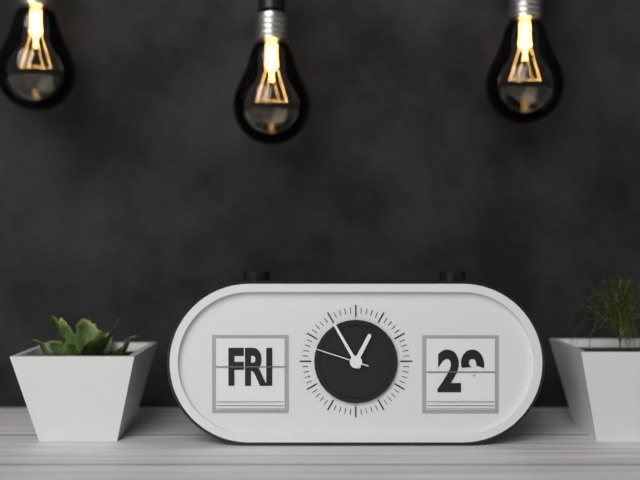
12:55:48
